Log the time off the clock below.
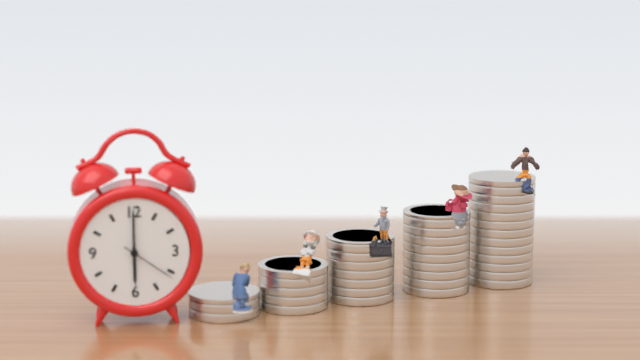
6:00:21
